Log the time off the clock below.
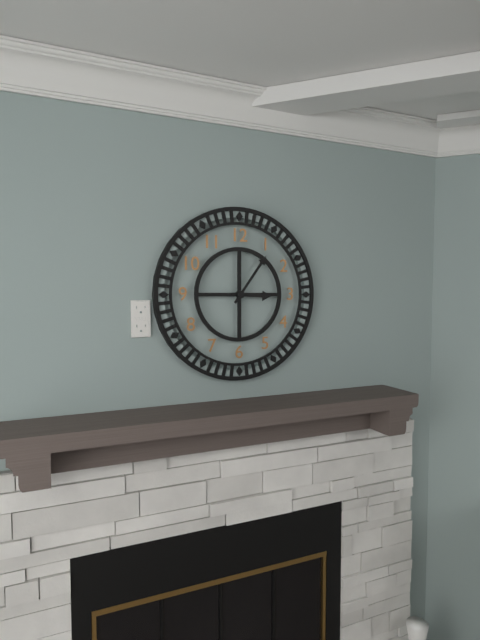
3:06
